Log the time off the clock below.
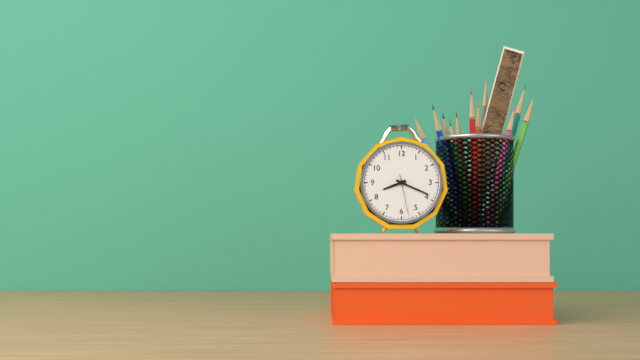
8:19
